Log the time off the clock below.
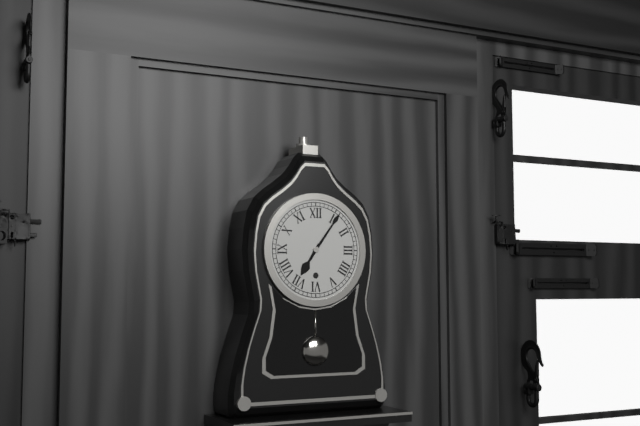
7:06
